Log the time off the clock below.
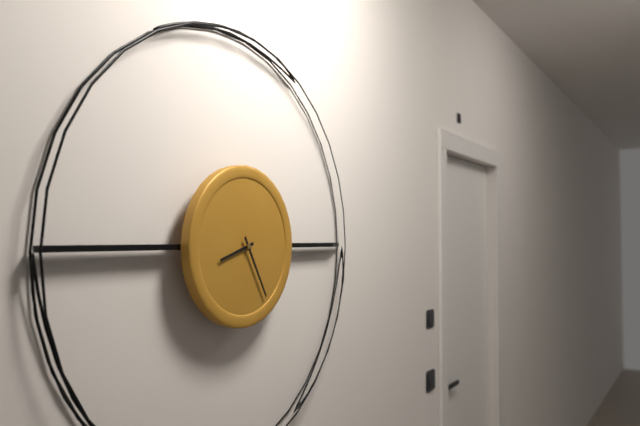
8:25
